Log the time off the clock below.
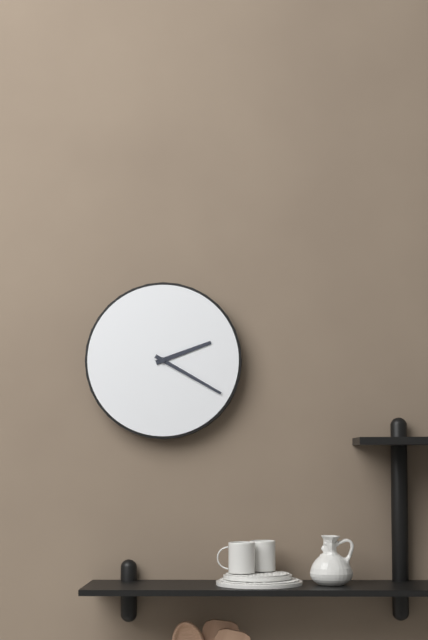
2:20
